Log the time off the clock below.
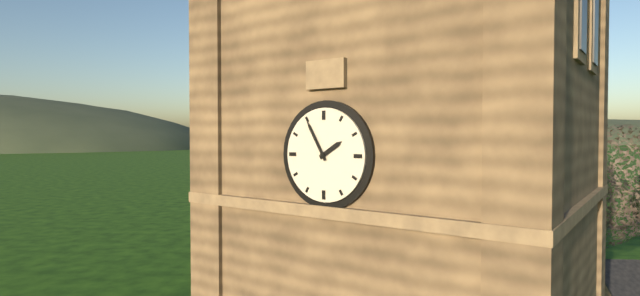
1:55
